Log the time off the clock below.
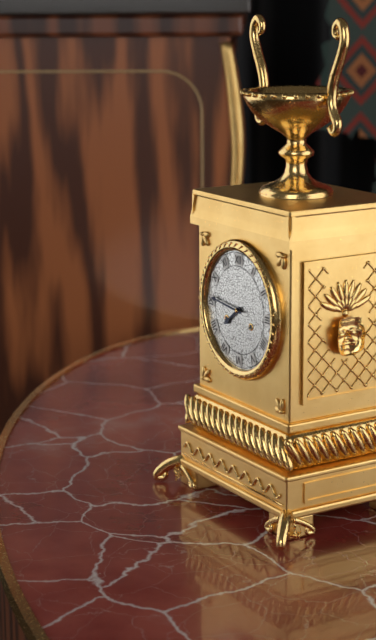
7:46
